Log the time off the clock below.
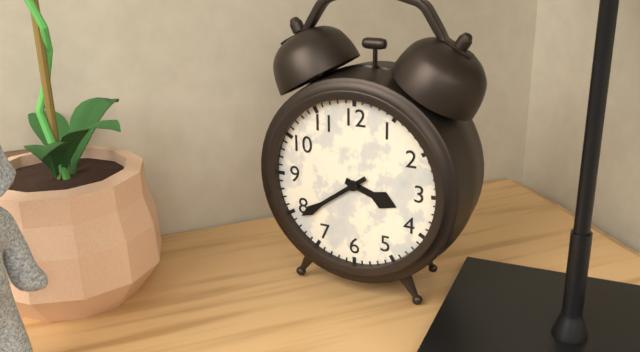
3:39
